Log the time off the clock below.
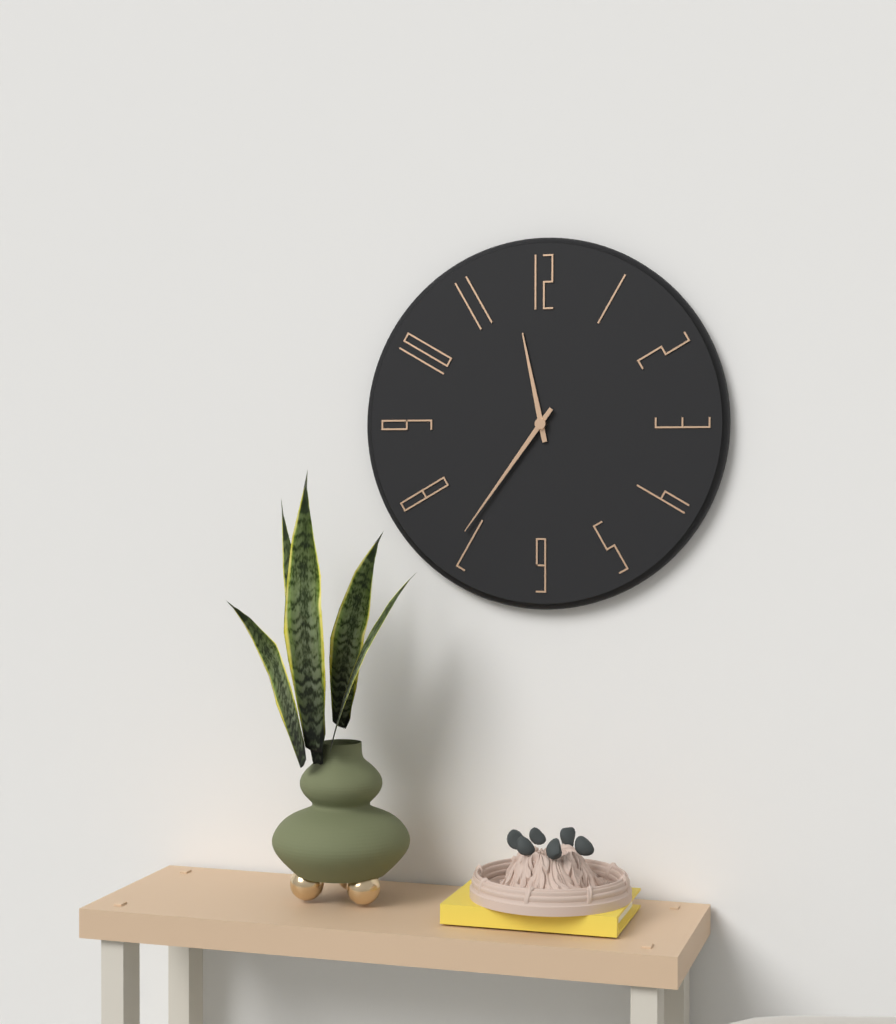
11:36
